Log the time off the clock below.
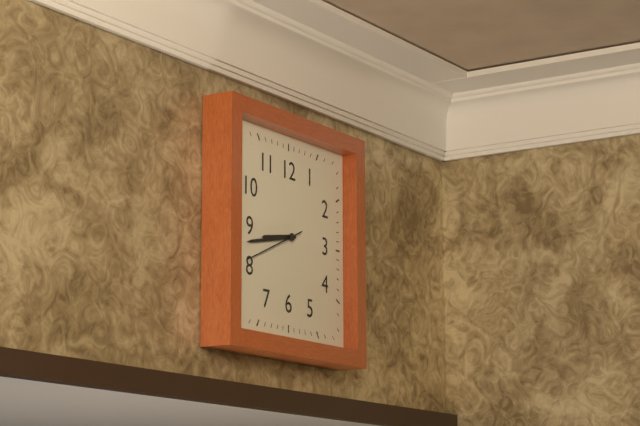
8:43:41
